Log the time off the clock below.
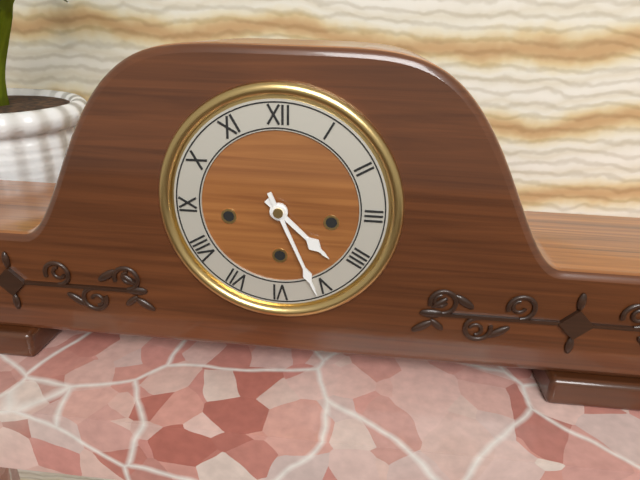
4:26
